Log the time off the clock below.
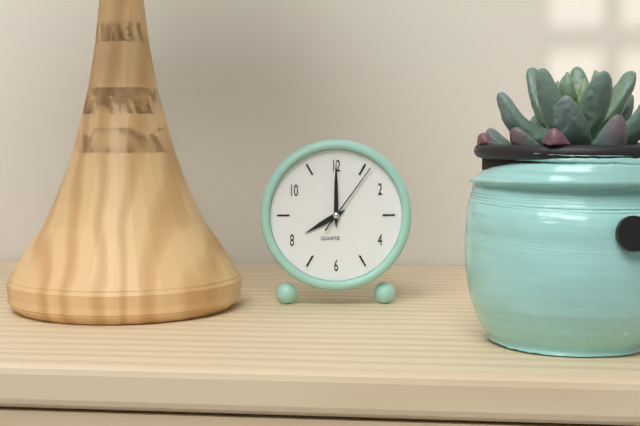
8:00:06
